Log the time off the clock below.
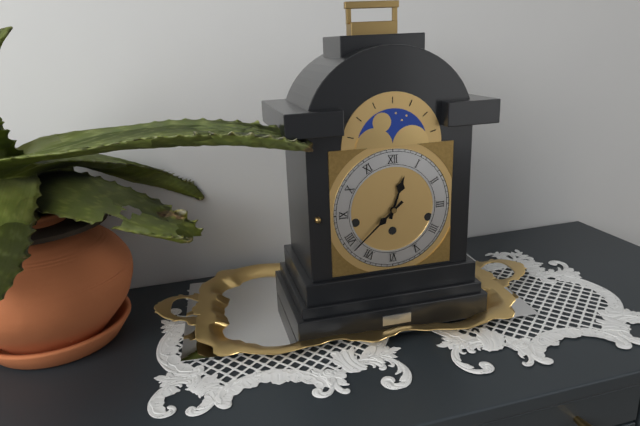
12:38
